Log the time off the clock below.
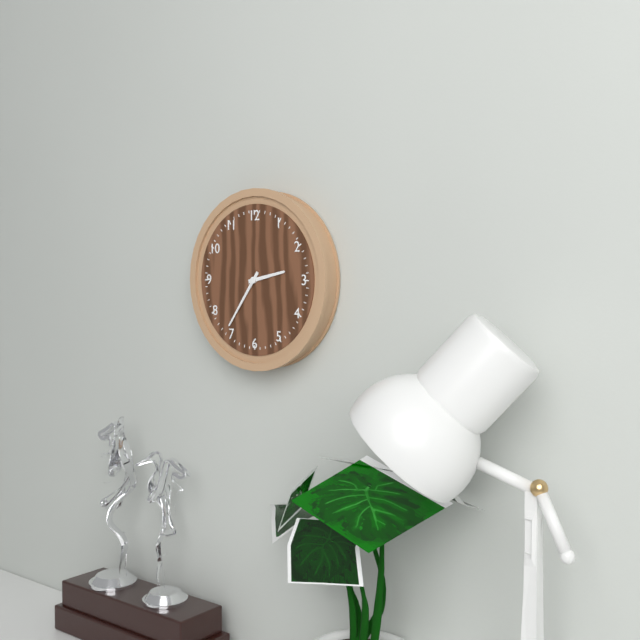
2:36
